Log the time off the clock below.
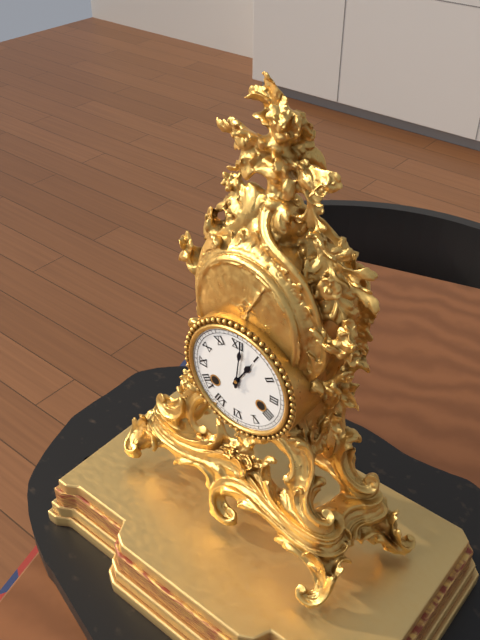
1:01
